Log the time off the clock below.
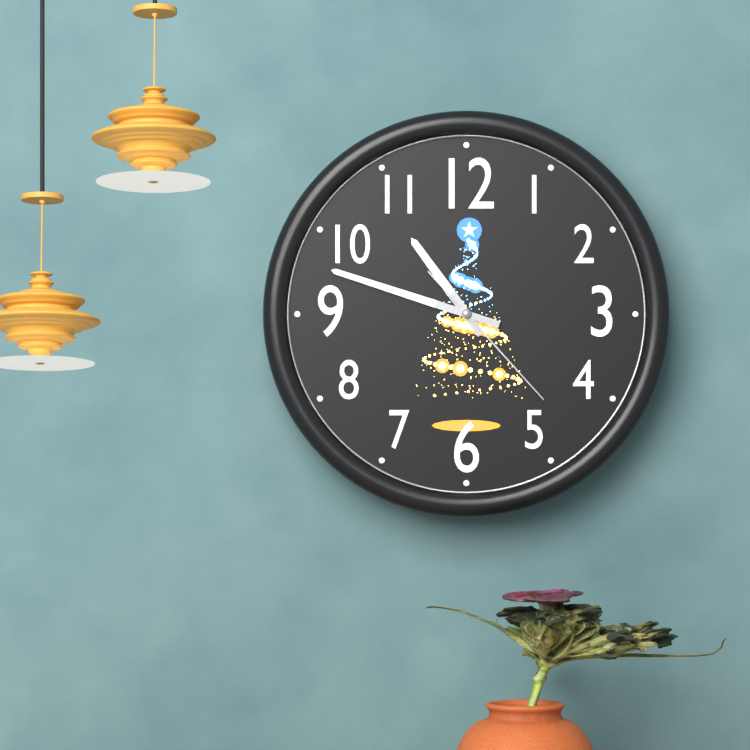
10:48:23
